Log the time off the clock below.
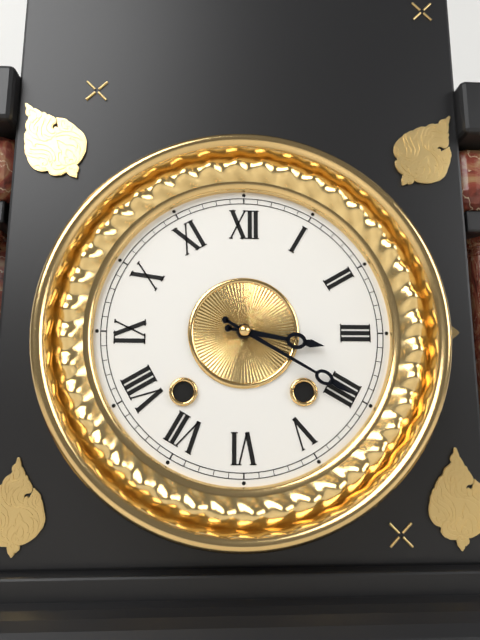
3:20
